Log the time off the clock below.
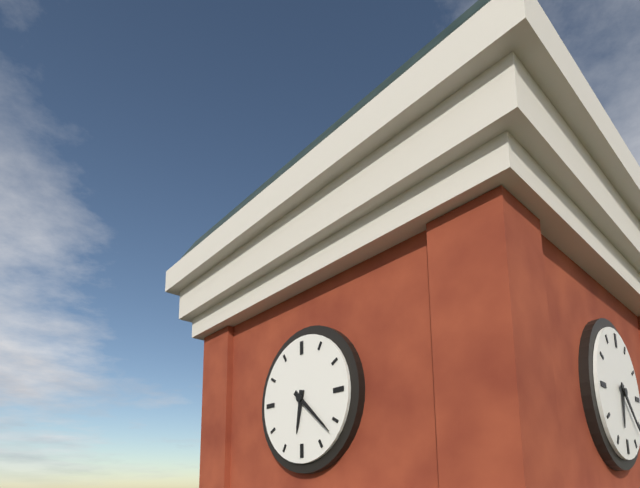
6:22
